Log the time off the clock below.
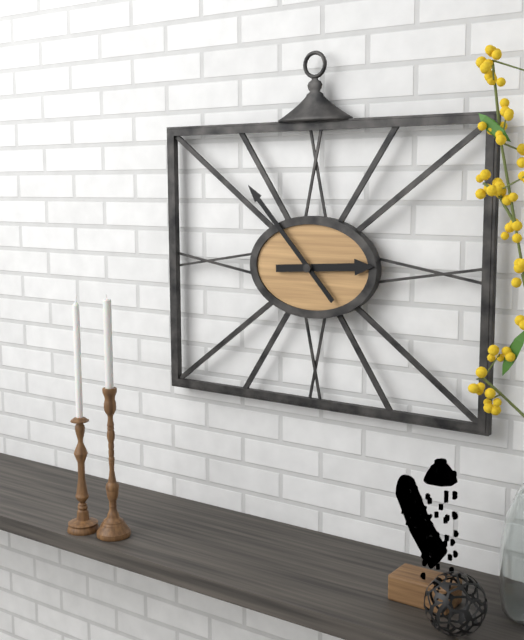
2:53
